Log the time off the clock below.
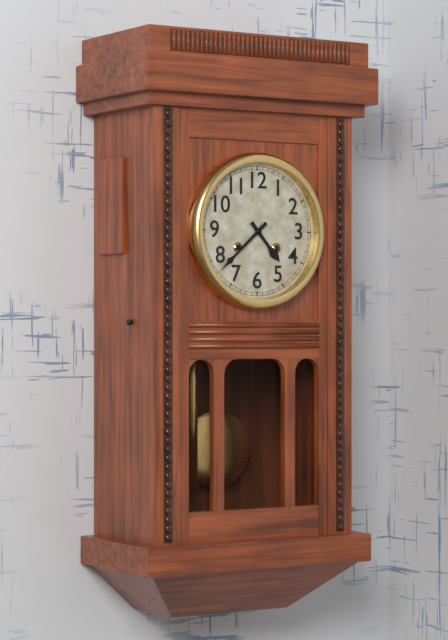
4:38
